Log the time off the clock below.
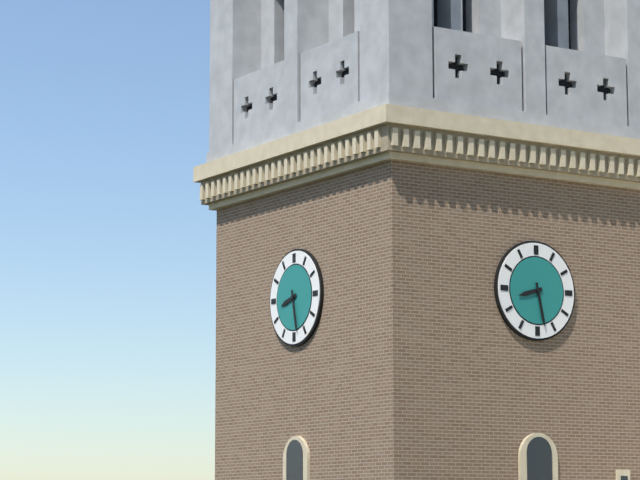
8:28
